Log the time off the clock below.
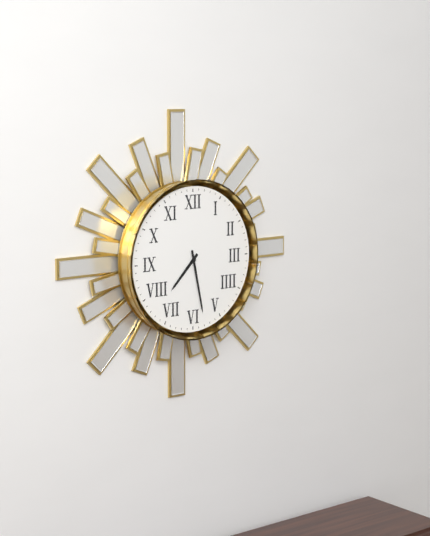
7:28
